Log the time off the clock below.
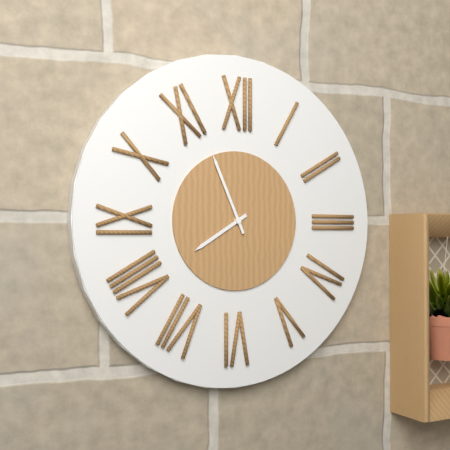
7:56
